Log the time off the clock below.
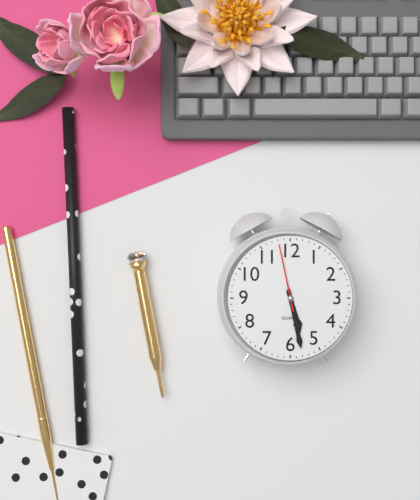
5:28:58
